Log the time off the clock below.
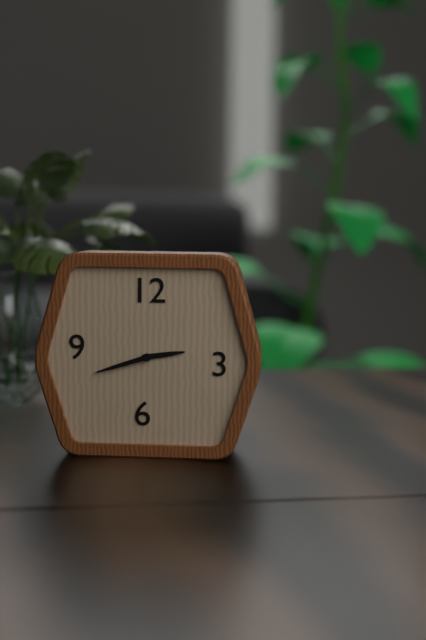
2:42
